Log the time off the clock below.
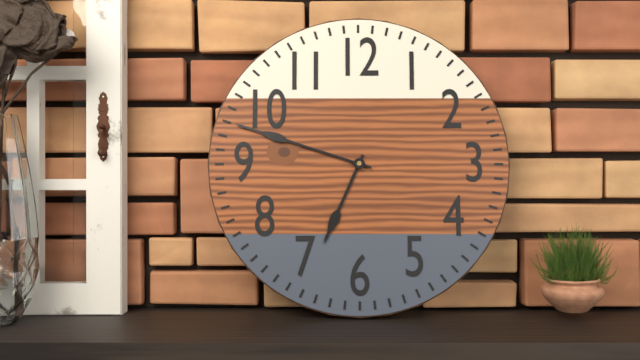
6:48
